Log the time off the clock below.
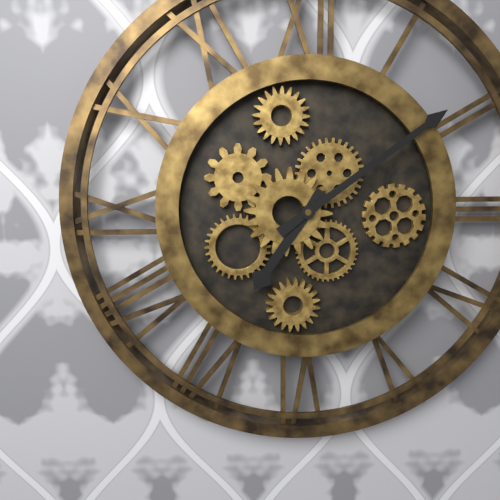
7:09
